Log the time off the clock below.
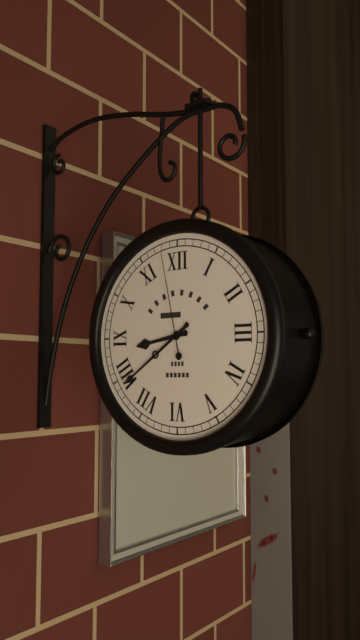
8:39:58
